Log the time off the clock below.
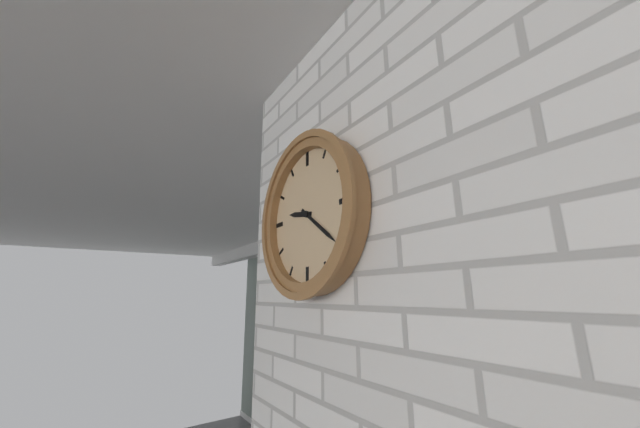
9:21
